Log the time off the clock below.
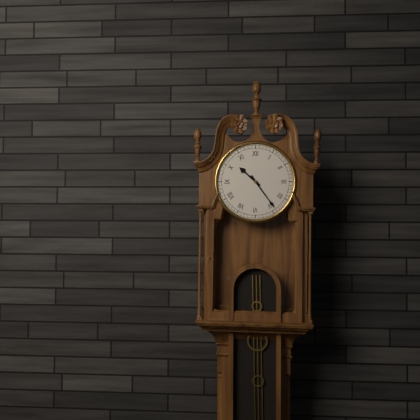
10:24
